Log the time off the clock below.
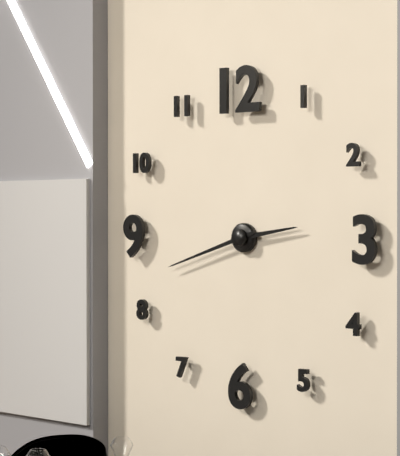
2:42
